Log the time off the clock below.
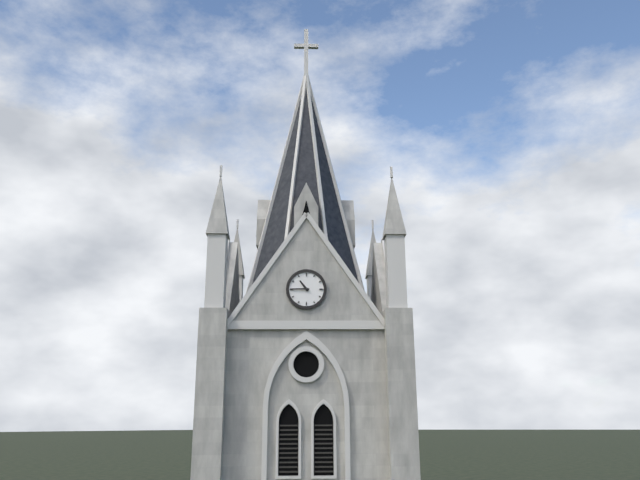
10:45
